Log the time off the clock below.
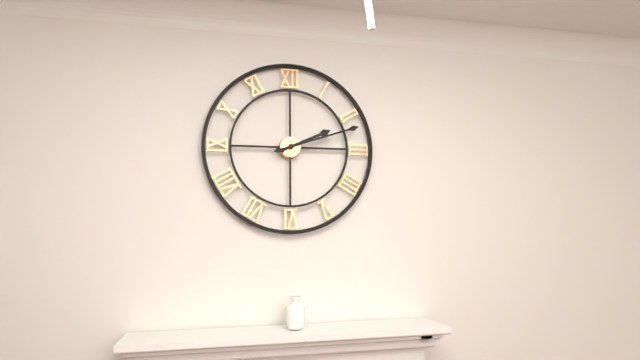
2:12
